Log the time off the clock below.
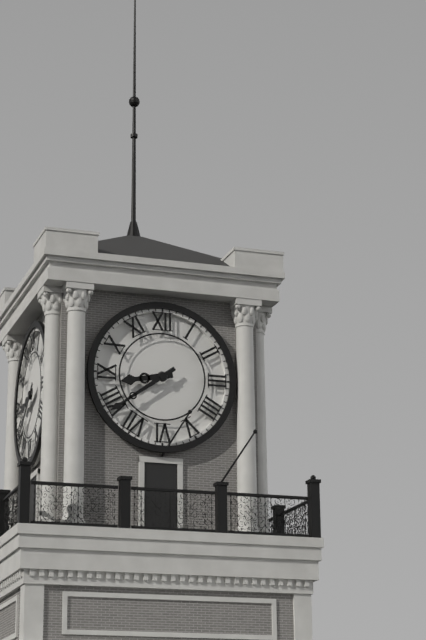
8:39
